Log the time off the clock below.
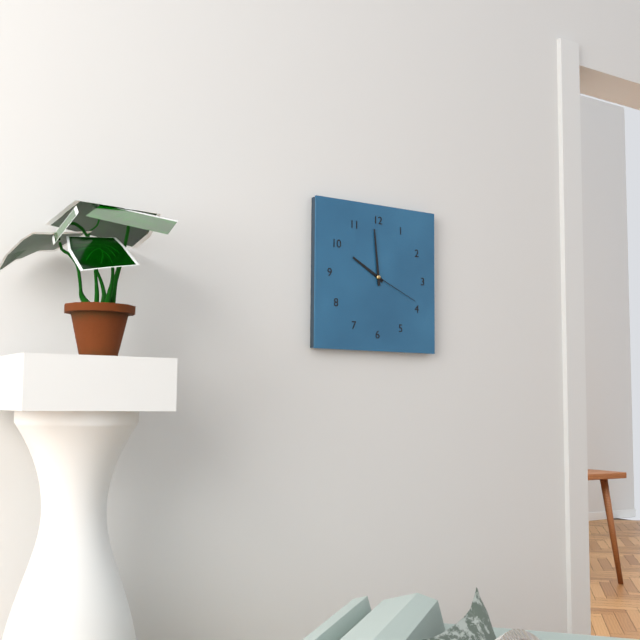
9:59:19
